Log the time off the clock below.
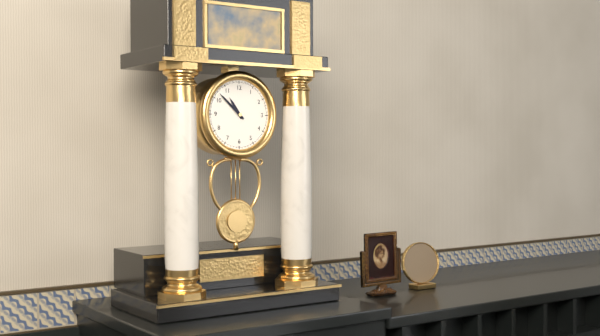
10:52
